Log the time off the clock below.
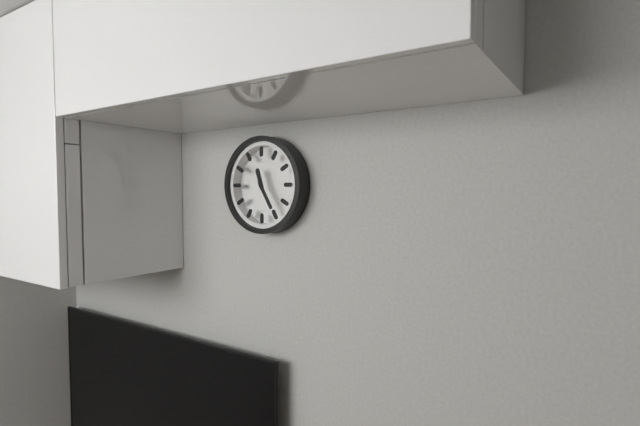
11:25
